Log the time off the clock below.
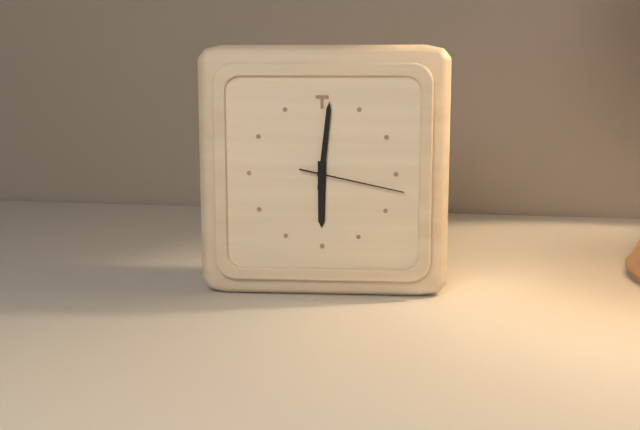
6:01:17
